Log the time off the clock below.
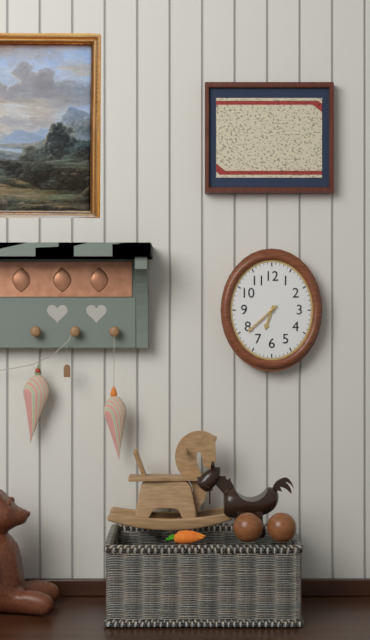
6:38
